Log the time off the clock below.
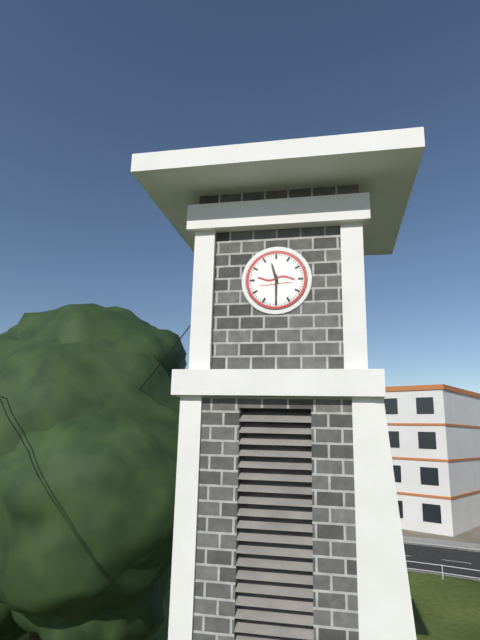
11:30
